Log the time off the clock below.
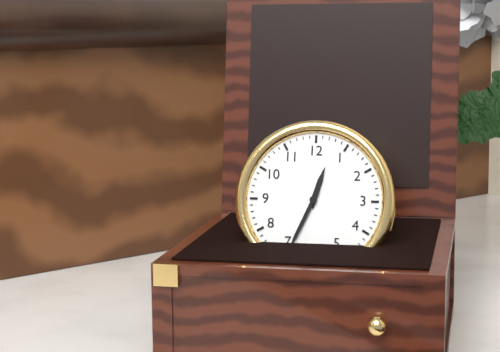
12:34
